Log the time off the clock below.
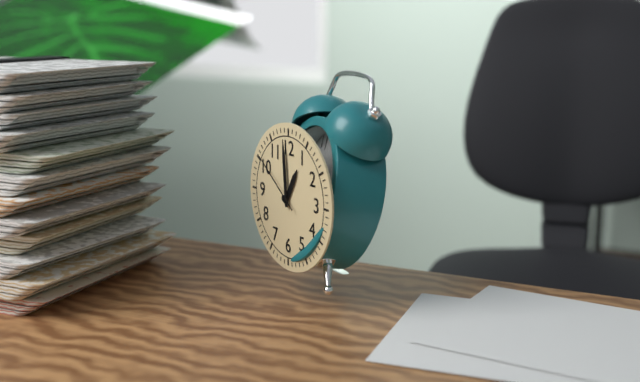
12:59:51
